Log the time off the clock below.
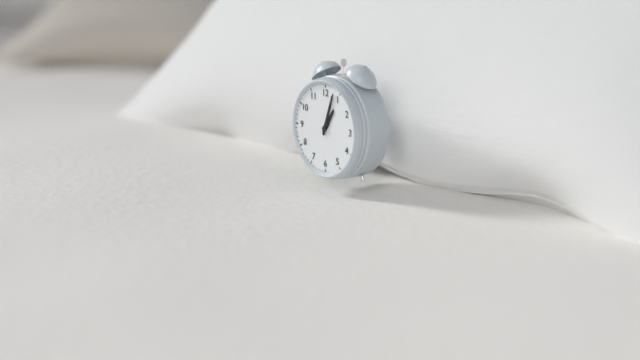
1:03
